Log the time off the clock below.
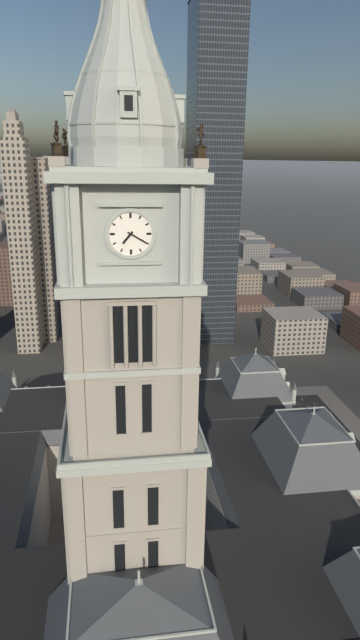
7:20
